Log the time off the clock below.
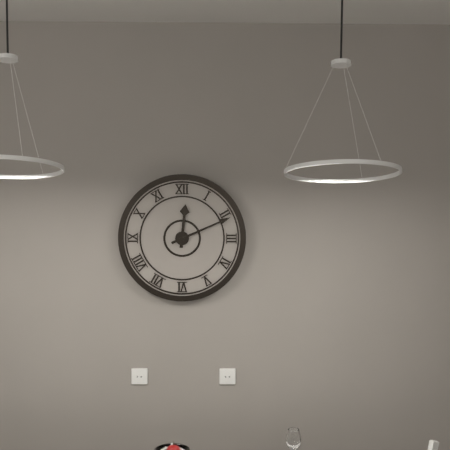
12:11
